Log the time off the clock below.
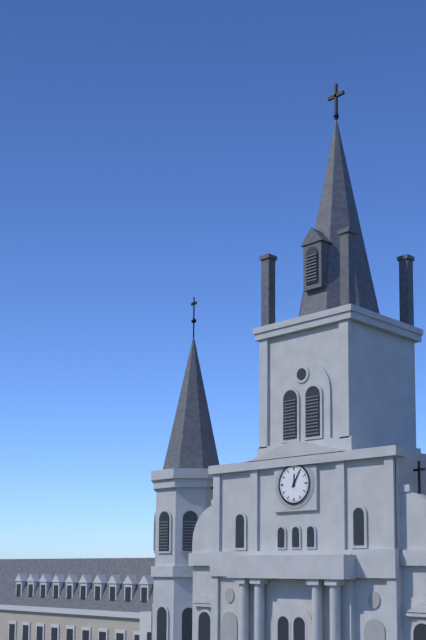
12:05
